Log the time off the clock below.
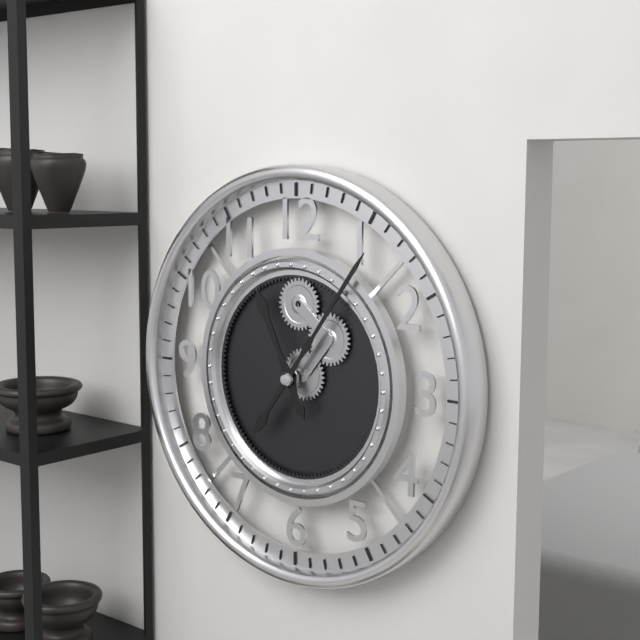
11:06
